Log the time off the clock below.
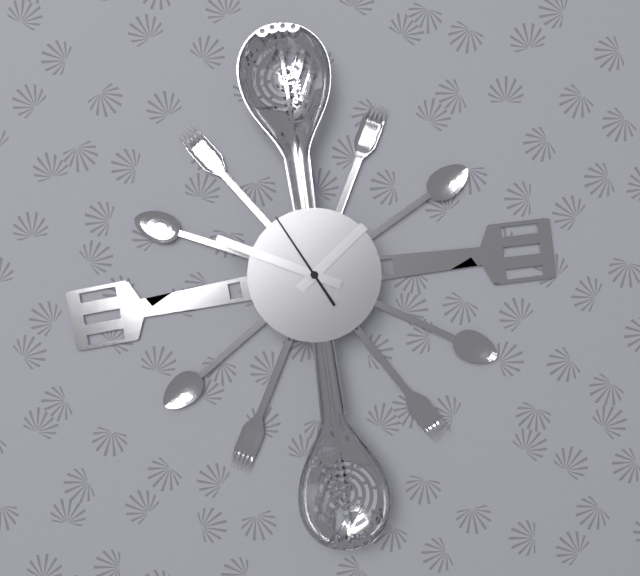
1:50:56
